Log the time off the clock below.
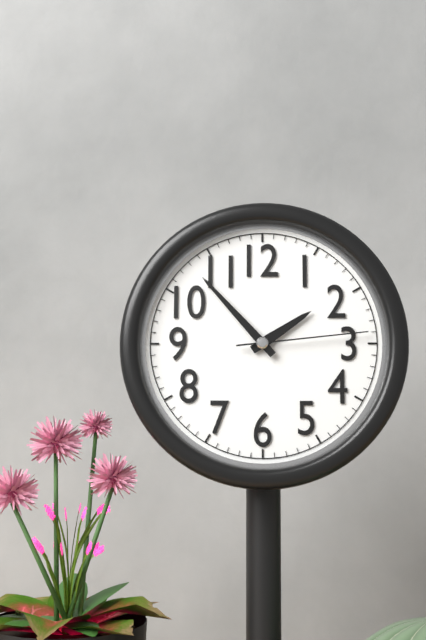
1:53:14
